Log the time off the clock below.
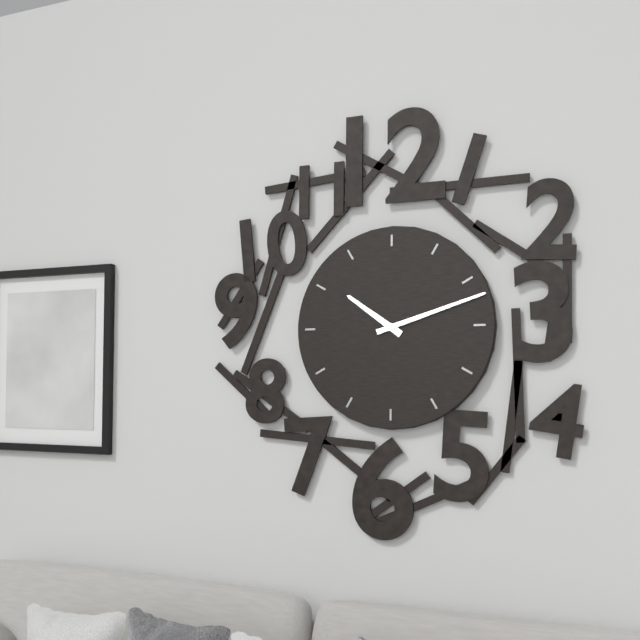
10:12
